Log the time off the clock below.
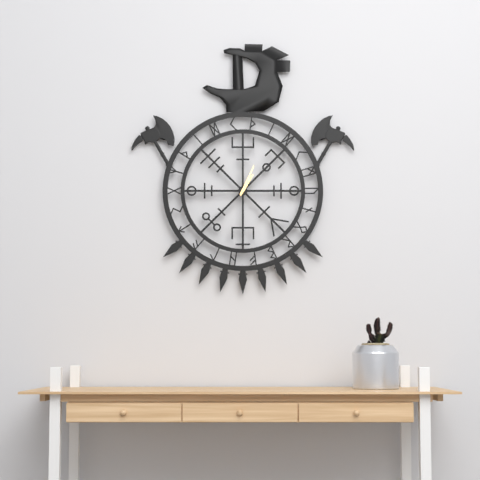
1:04
